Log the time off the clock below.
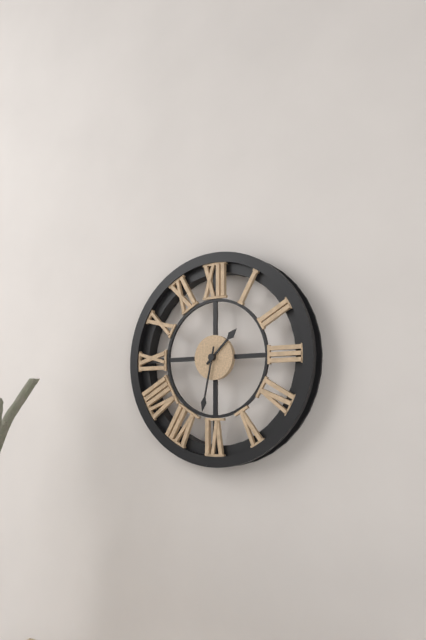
1:32
